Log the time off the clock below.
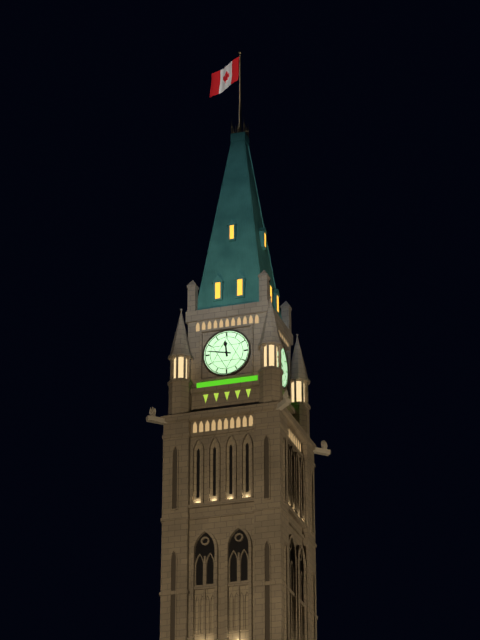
11:47
